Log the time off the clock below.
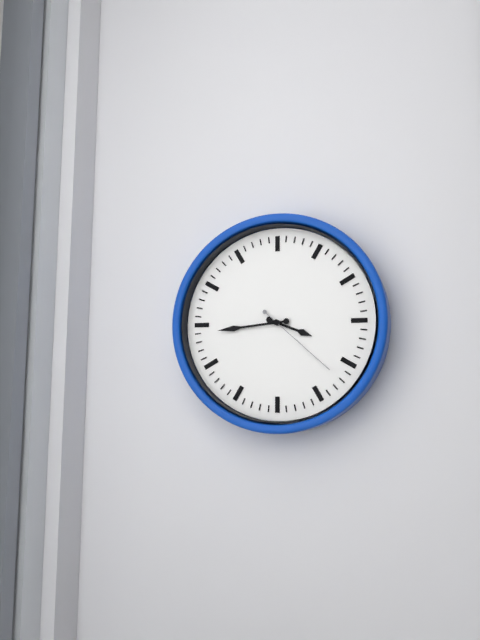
3:44:22
